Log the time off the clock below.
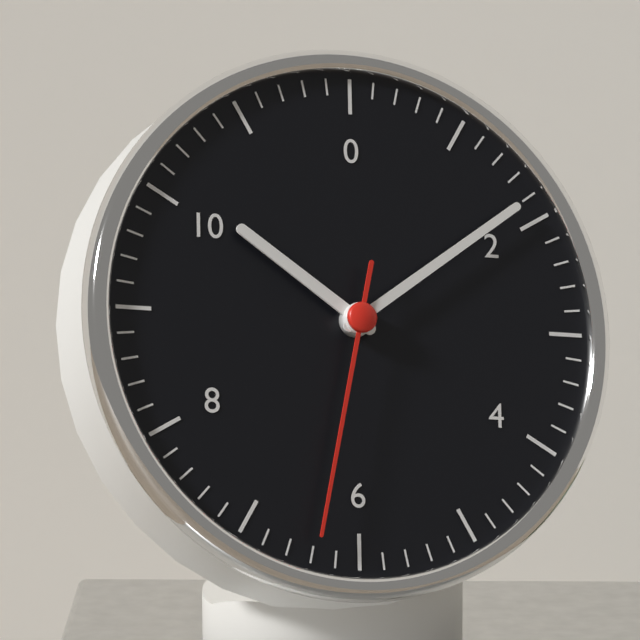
10:09:32
